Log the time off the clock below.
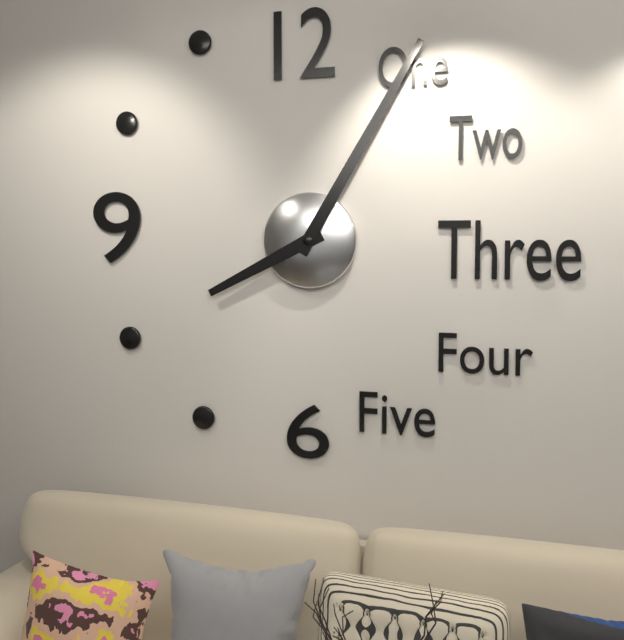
8:05
